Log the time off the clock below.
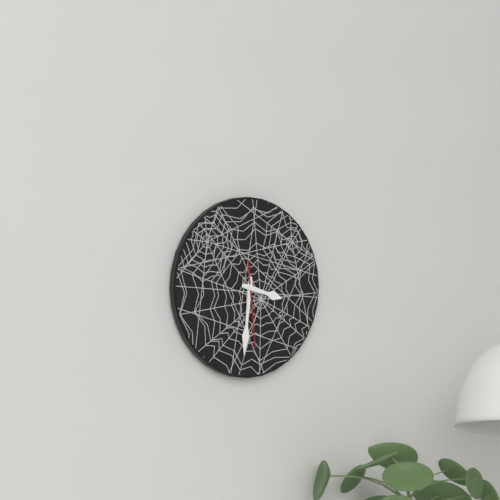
3:31:29
